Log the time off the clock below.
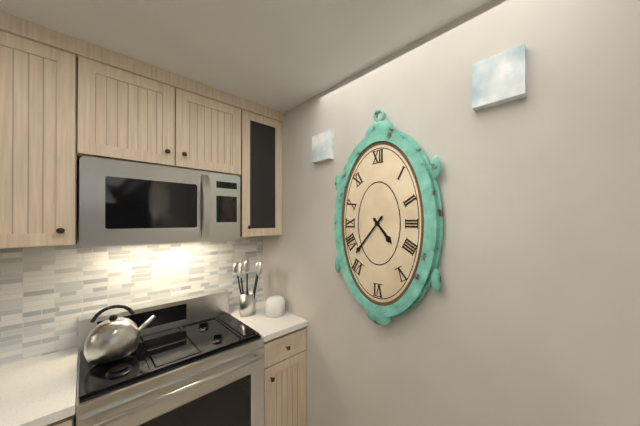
4:37
